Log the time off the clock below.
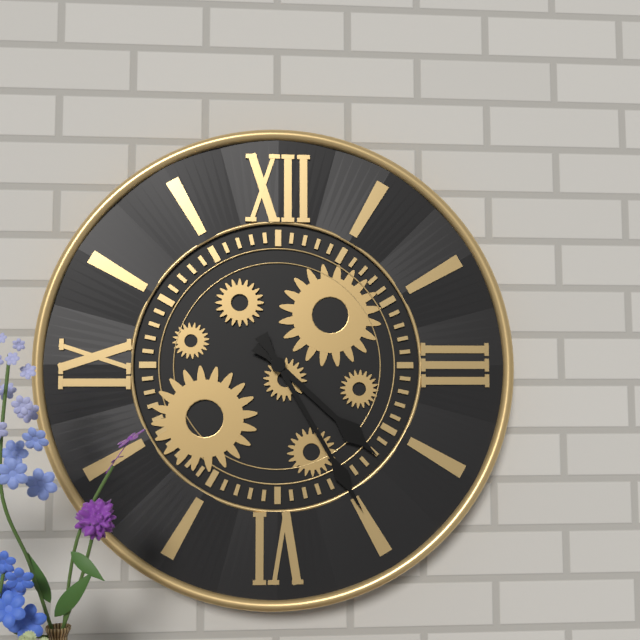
4:25
